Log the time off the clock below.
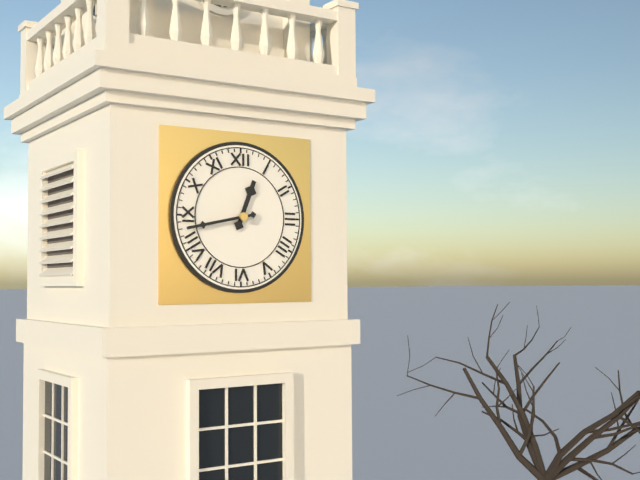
12:43
